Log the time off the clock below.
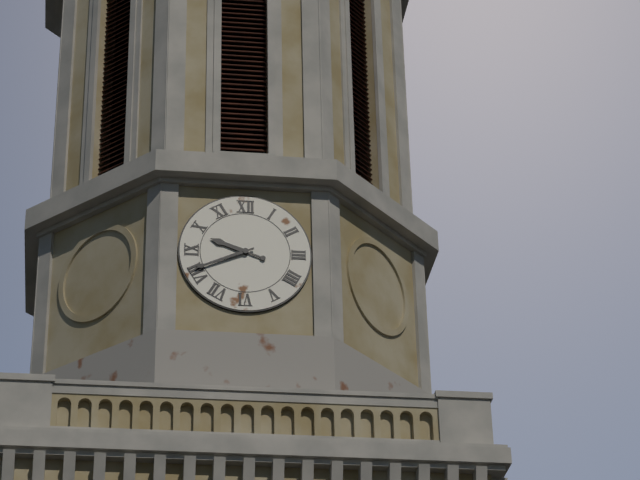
9:41
